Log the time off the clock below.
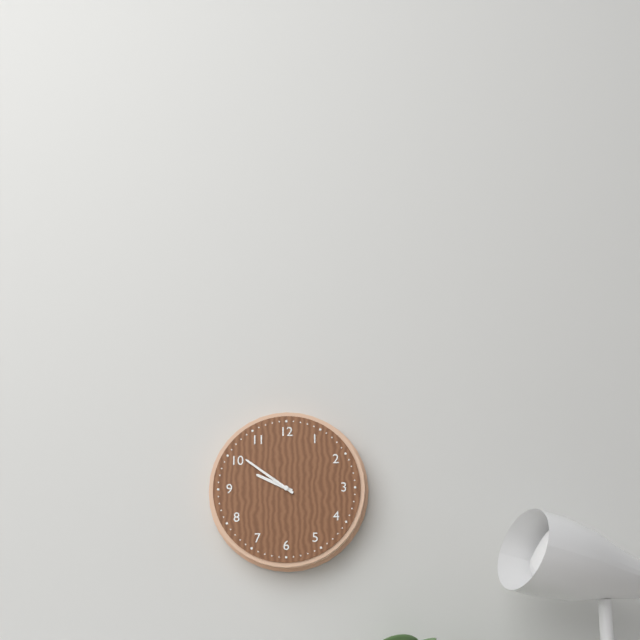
9:51
